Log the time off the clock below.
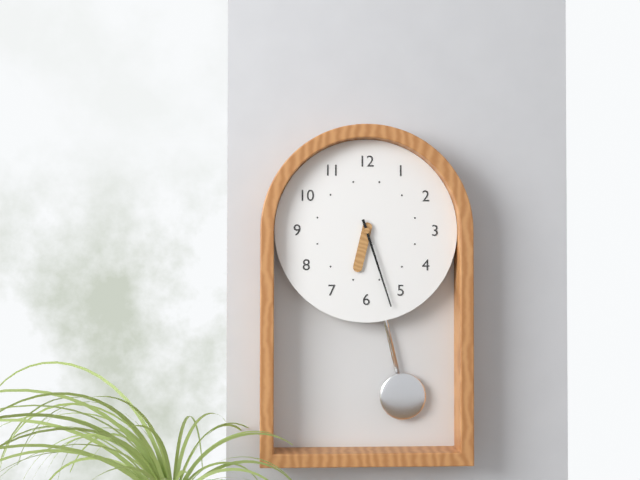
6:27
